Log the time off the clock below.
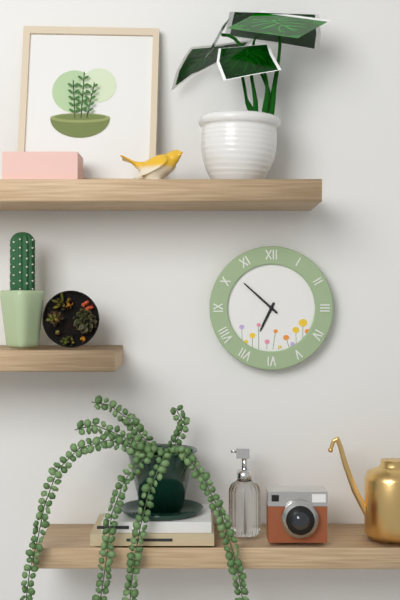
6:52
